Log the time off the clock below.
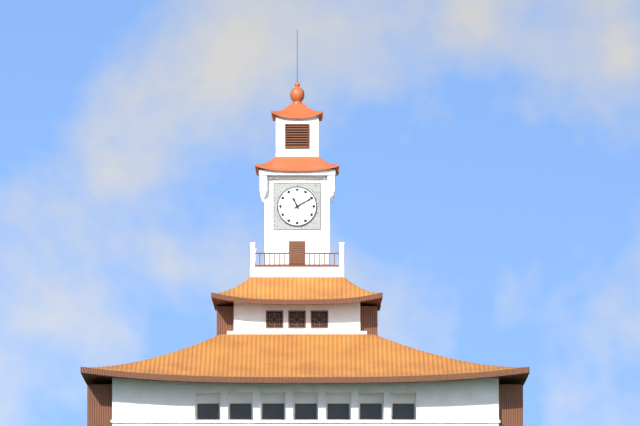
11:10
